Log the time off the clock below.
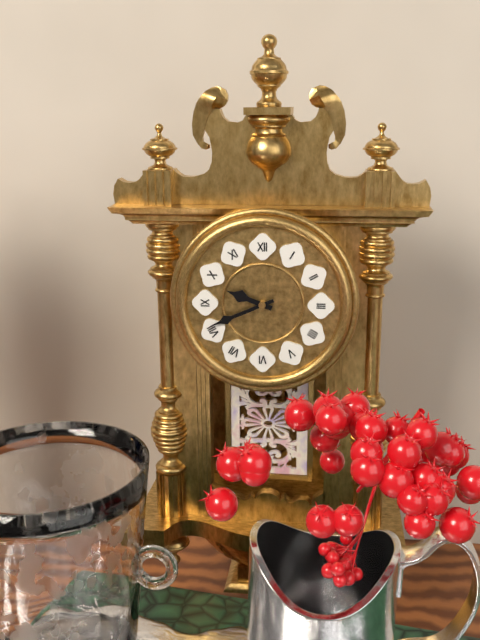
9:41
